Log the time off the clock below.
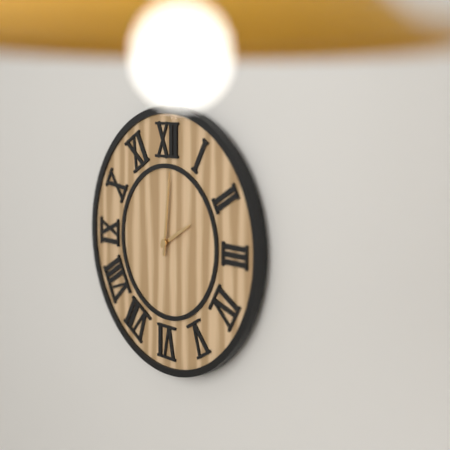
2:01
